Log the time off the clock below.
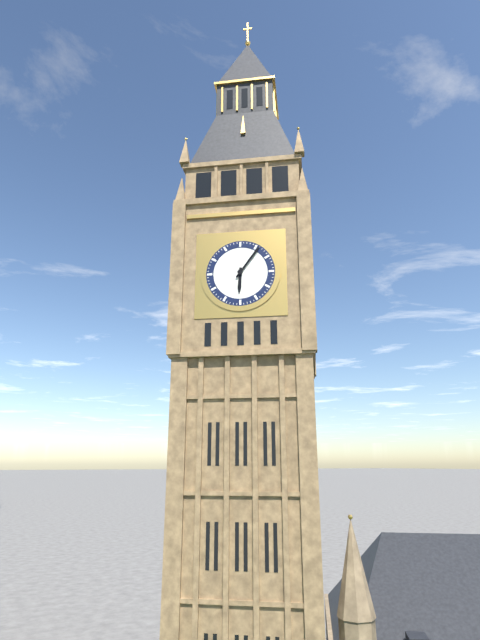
6:06
